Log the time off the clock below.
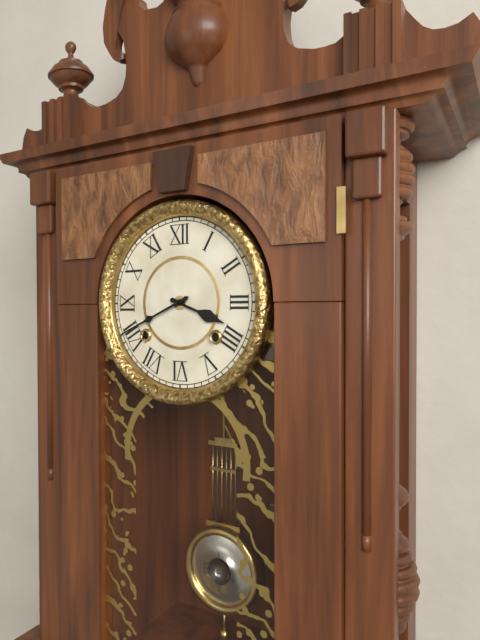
3:41
